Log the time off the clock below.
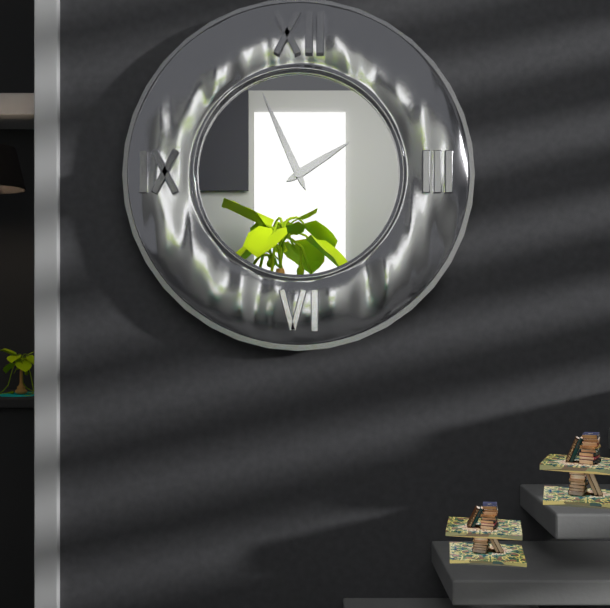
1:56
